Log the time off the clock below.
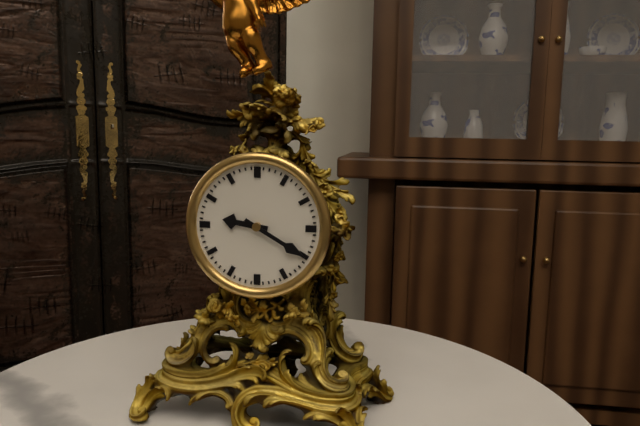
9:20
